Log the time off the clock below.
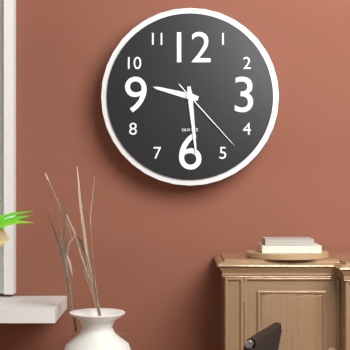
9:29:23
